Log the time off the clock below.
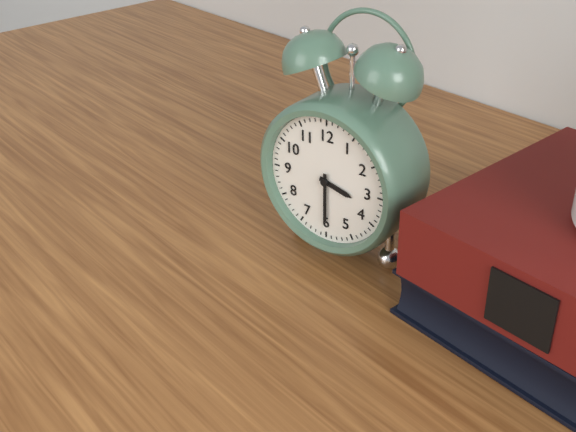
3:30
